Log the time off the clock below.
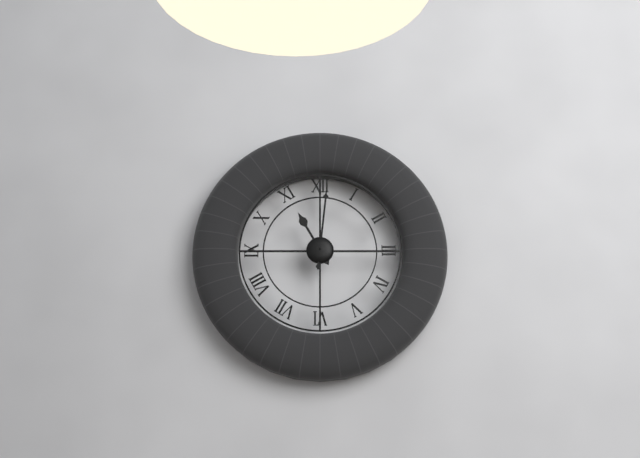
11:01
